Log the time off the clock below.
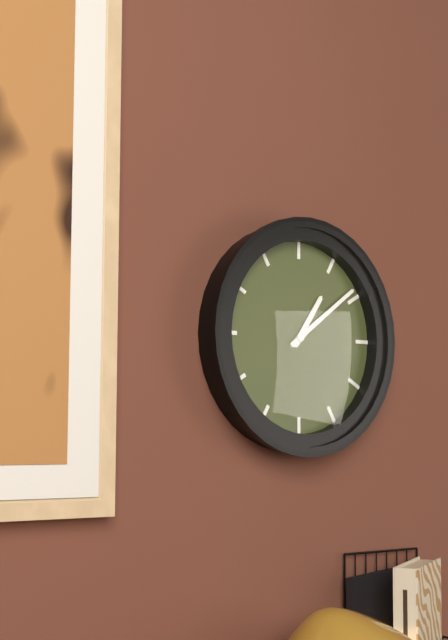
1:09
